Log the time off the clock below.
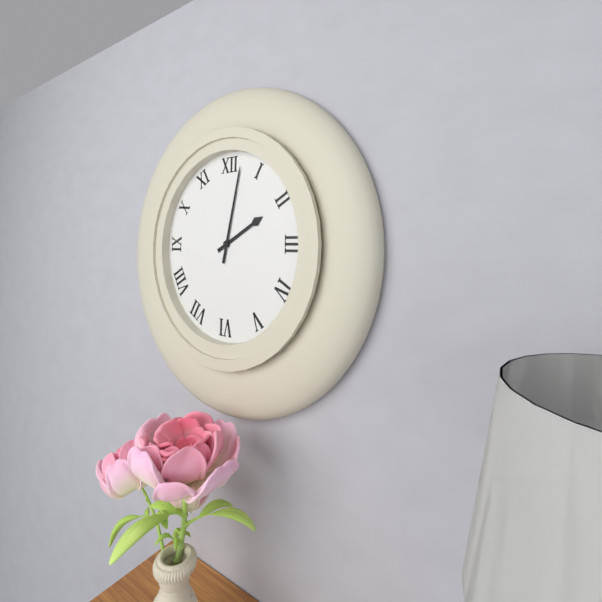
2:02
